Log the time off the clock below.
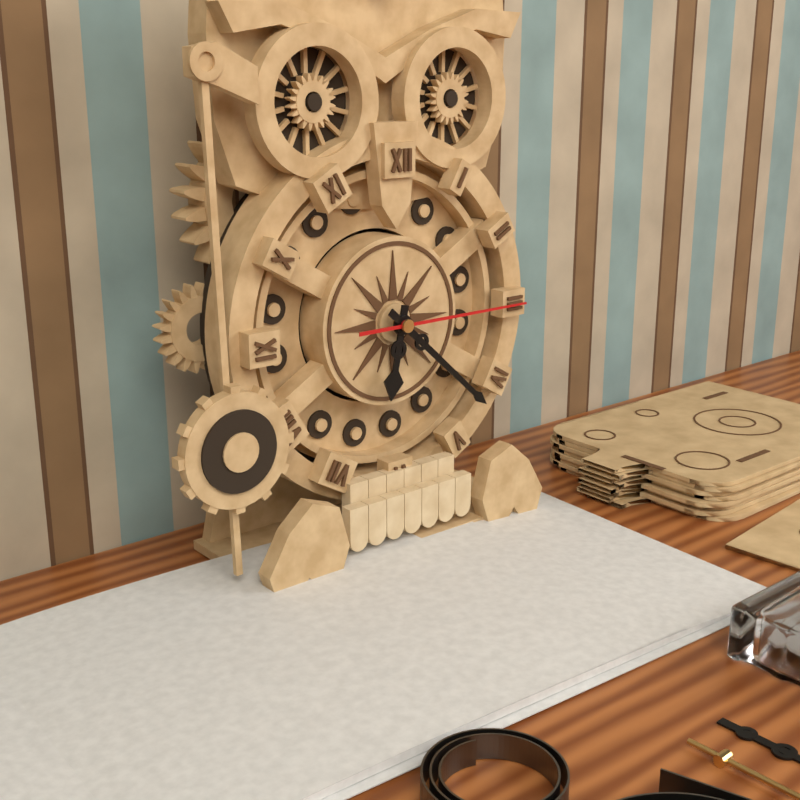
6:22:15
